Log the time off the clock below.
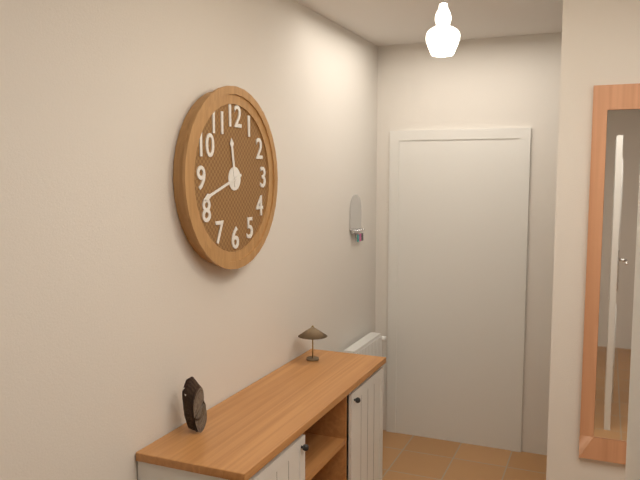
11:42
